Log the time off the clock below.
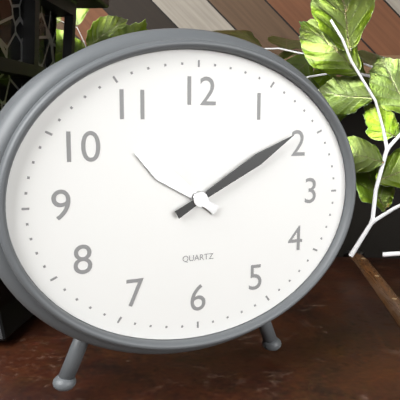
10:10
